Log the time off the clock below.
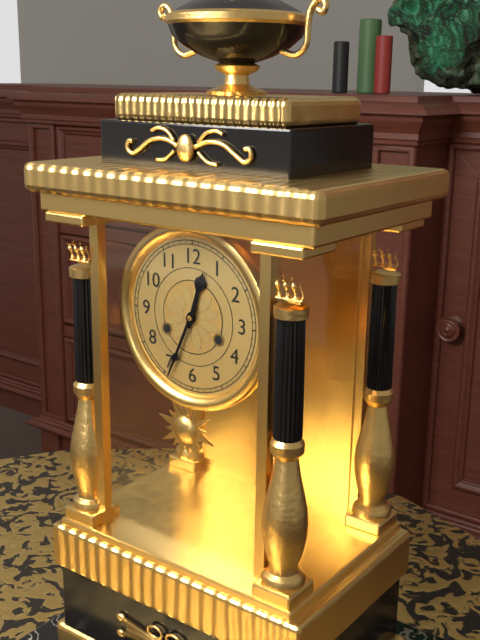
12:34
